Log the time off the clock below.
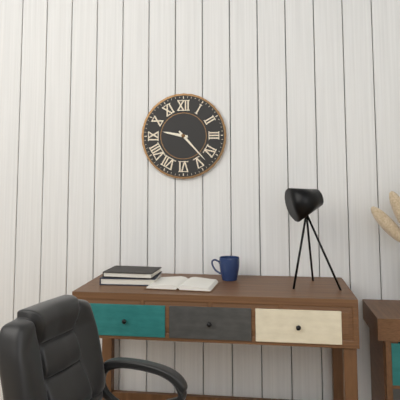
9:23
